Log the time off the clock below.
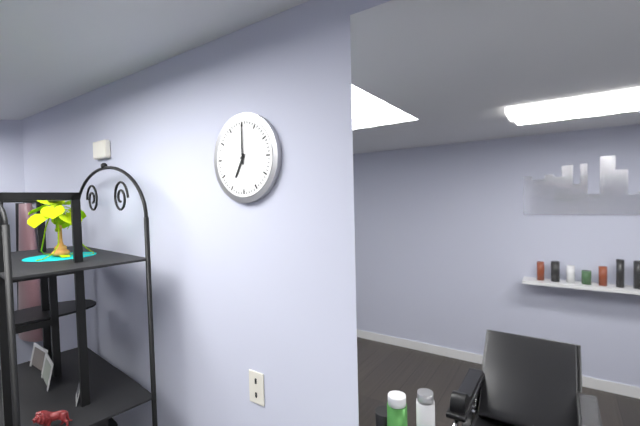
7:00
